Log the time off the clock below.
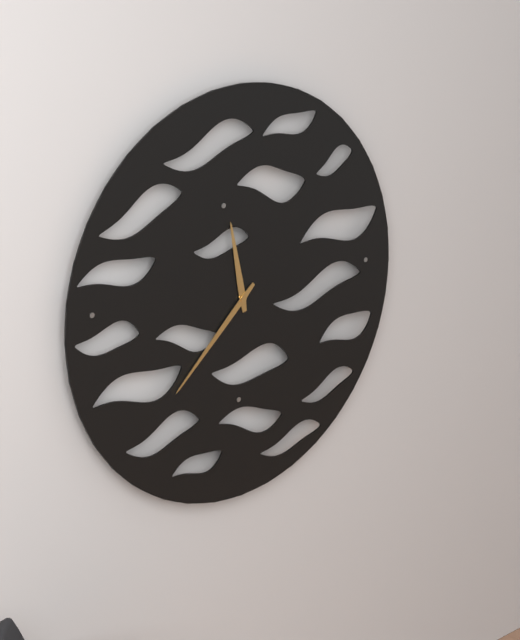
11:38
